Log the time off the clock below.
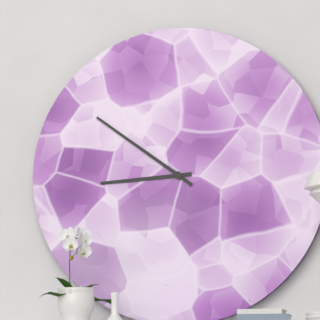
8:51
